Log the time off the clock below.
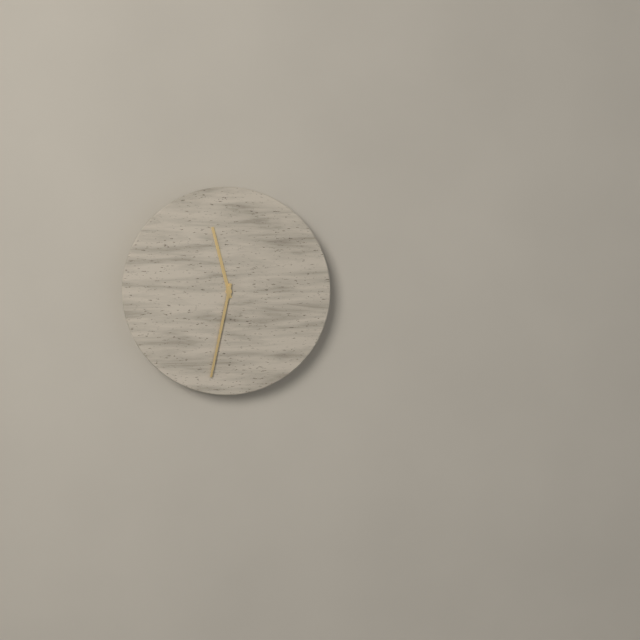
11:32
